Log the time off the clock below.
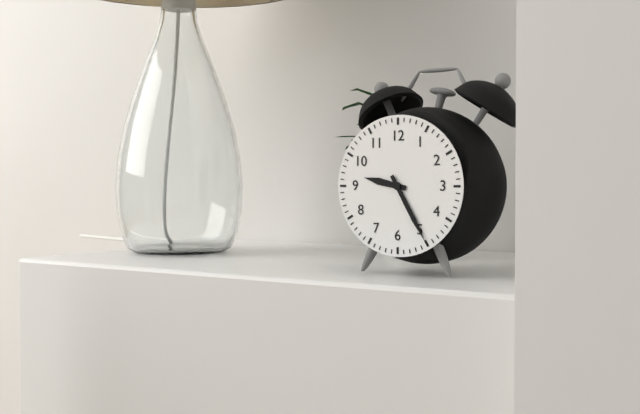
9:25
